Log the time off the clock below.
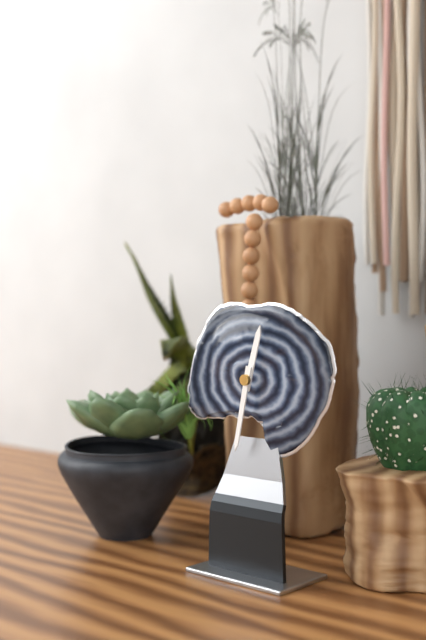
12:32
